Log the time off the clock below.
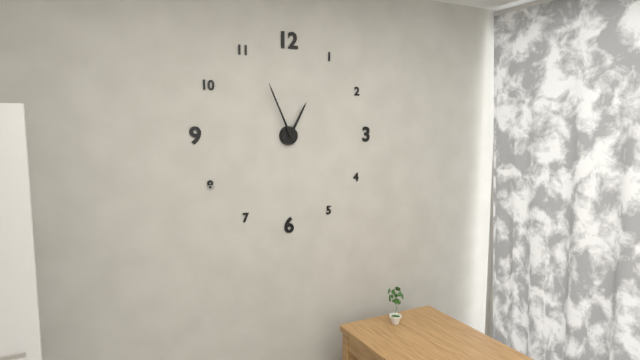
12:56
